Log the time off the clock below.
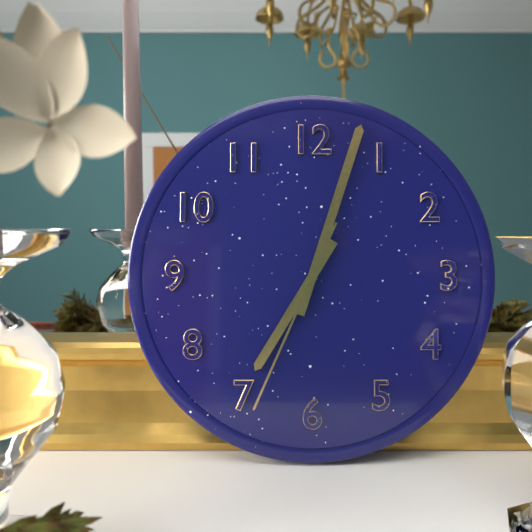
7:03:34
